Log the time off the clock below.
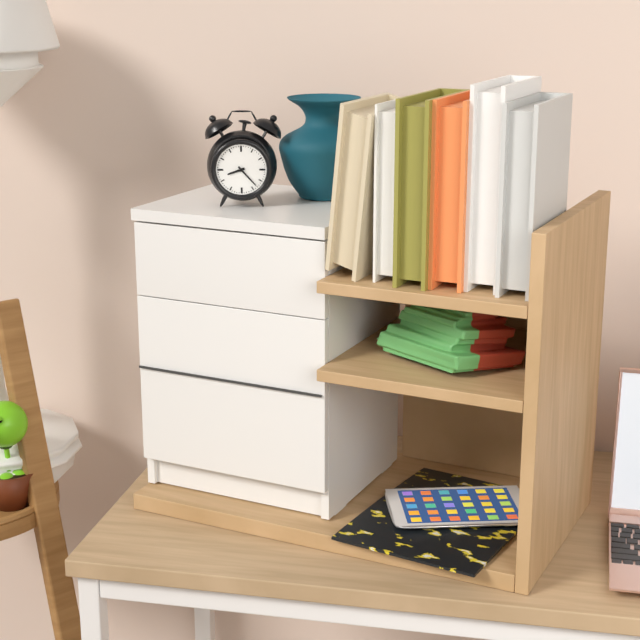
8:23
